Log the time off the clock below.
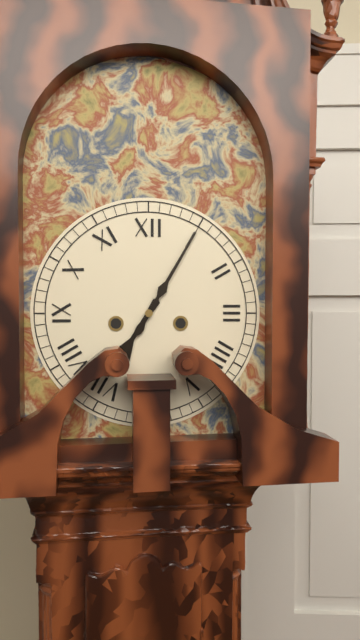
7:05
